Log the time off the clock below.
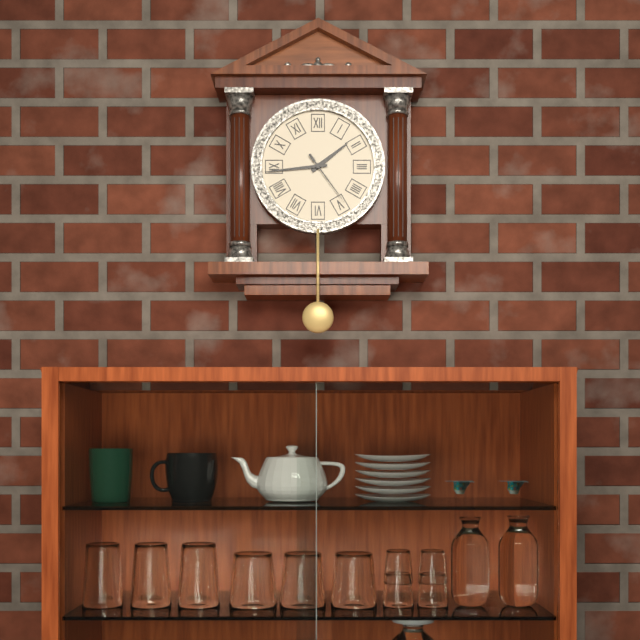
1:44:24
